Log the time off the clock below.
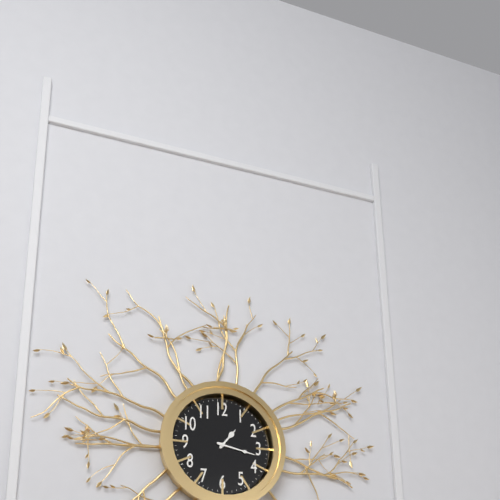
1:17
